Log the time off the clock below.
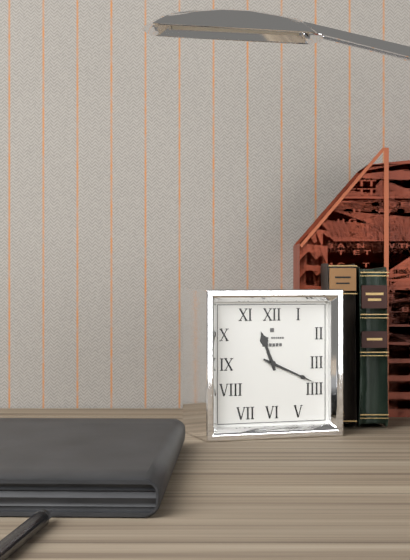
11:19
